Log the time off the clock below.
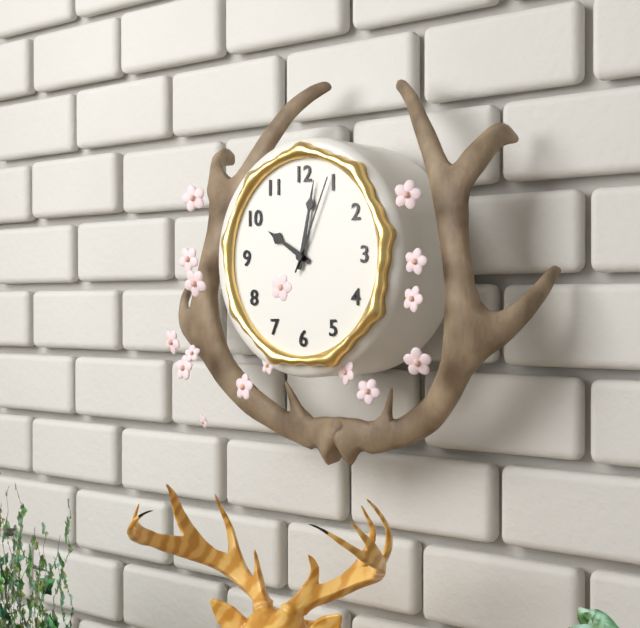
10:02:04
